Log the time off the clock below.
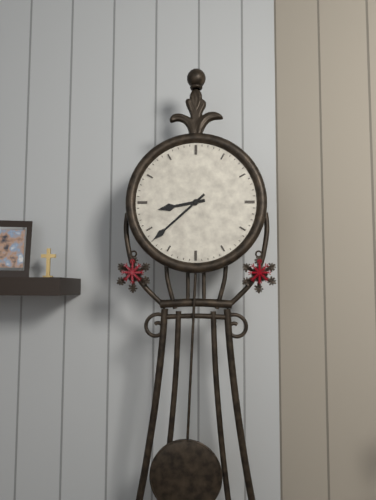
8:38
